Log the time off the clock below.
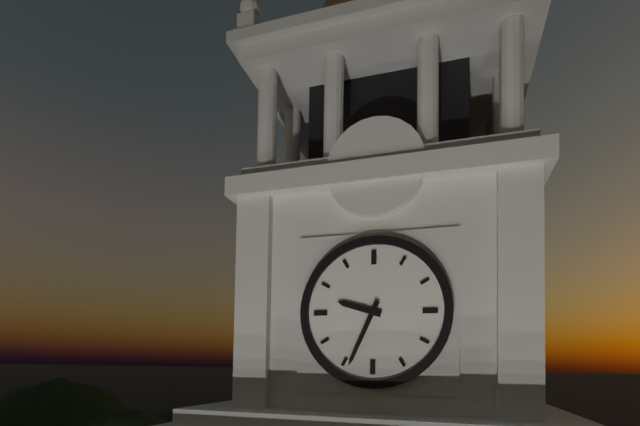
9:34
